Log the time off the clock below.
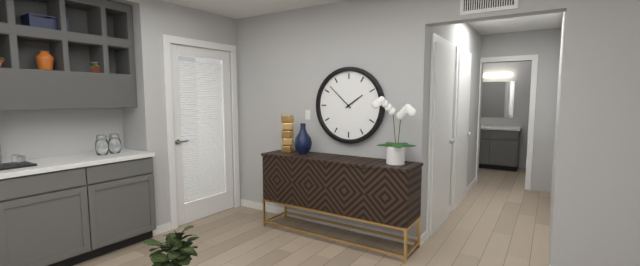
1:52
